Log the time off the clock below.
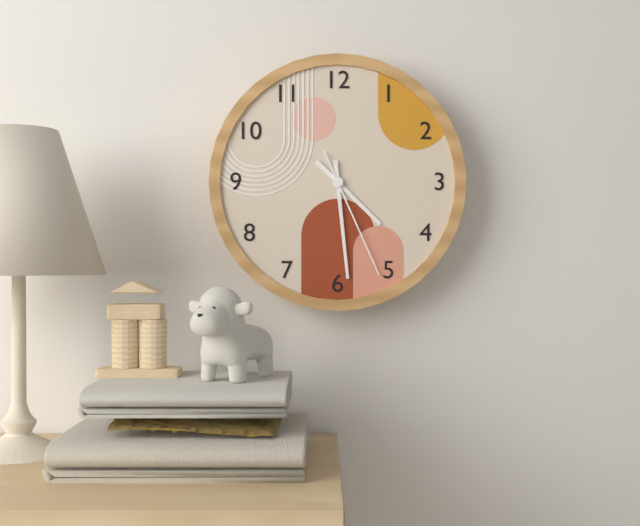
4:29:26
